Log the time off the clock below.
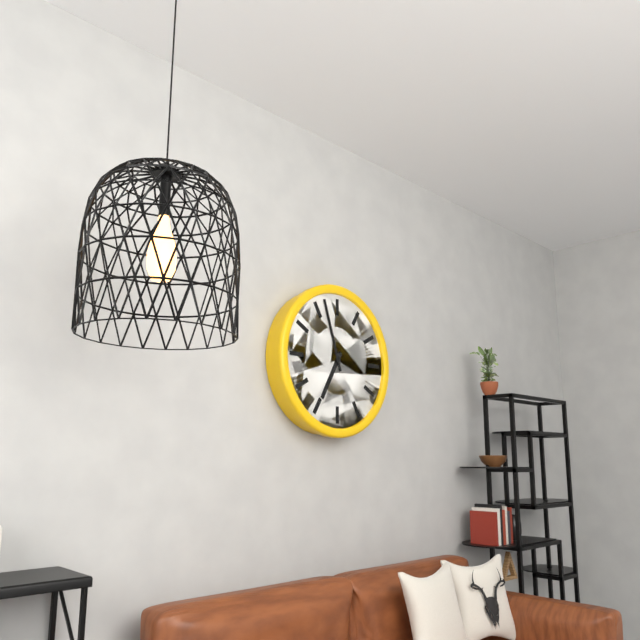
6:57
